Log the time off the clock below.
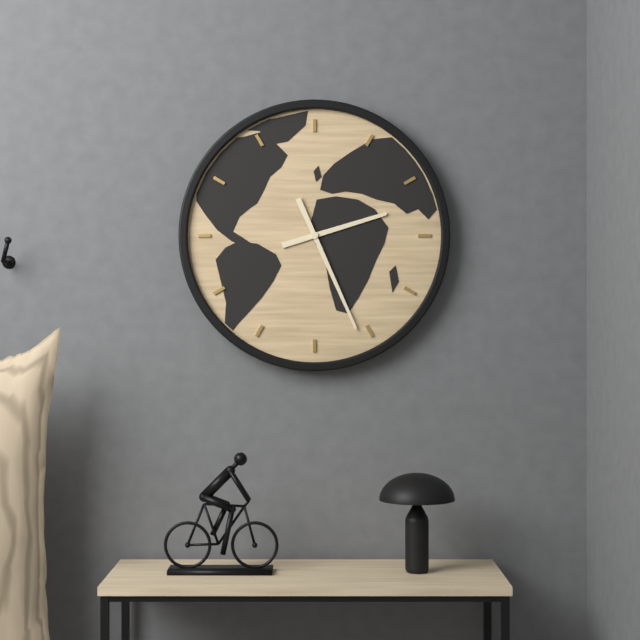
2:26
